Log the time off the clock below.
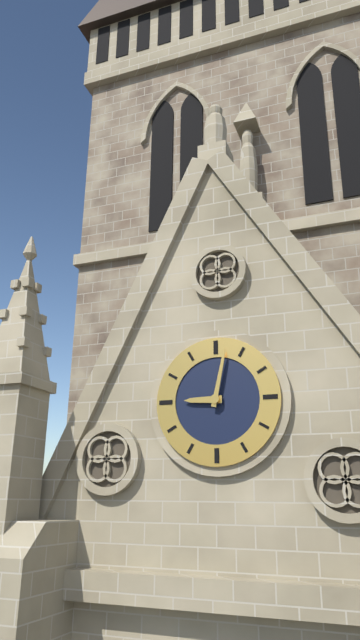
9:02
